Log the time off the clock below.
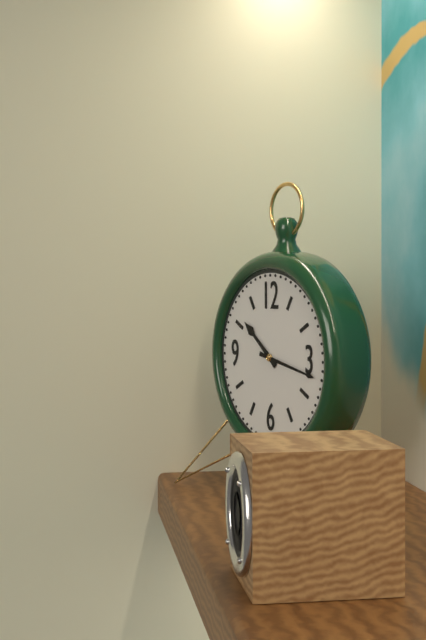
10:17
